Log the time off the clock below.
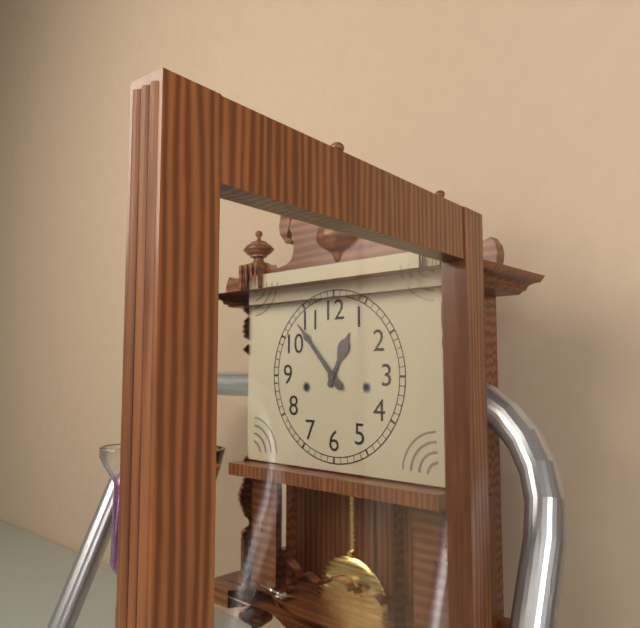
12:53
